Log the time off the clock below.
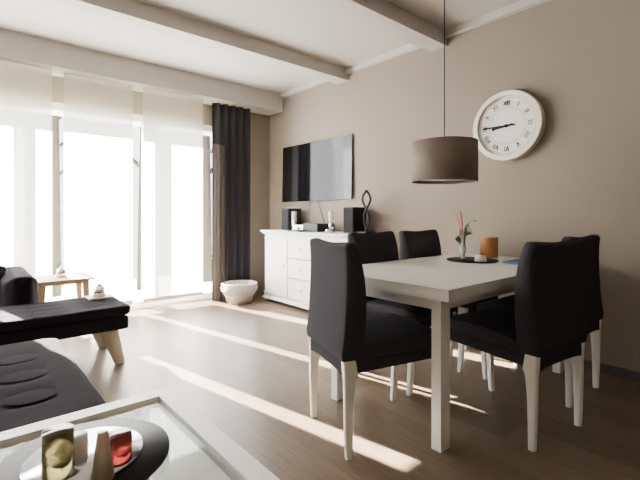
8:45
